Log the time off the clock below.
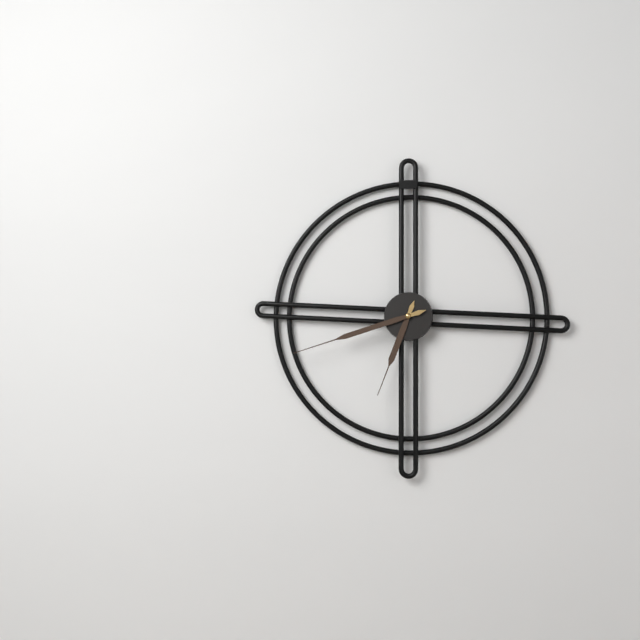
6:42
